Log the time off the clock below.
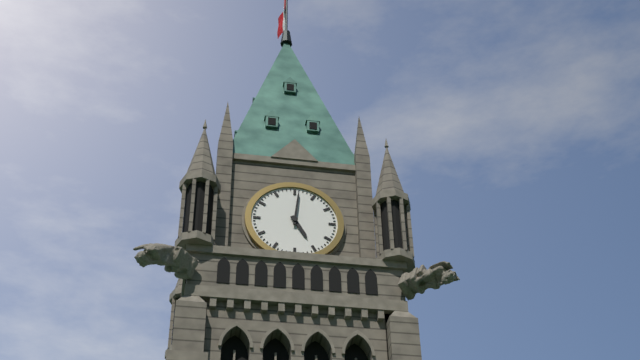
5:01
